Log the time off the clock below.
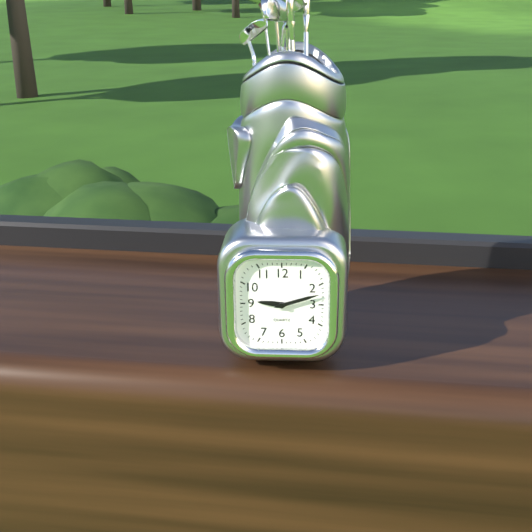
9:12
